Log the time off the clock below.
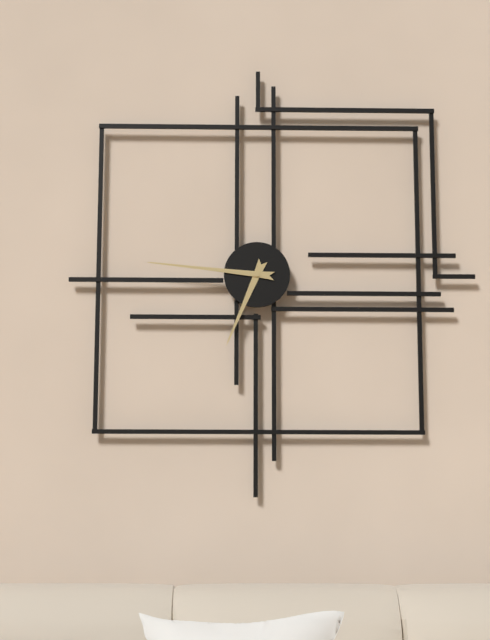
6:46
